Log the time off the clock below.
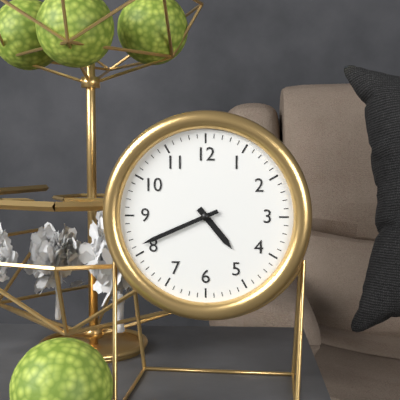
4:41
